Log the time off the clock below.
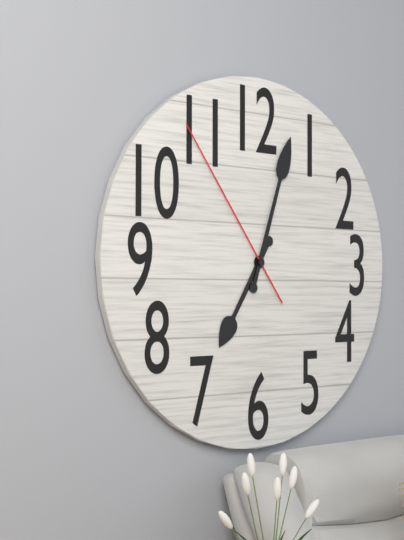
7:03:54
